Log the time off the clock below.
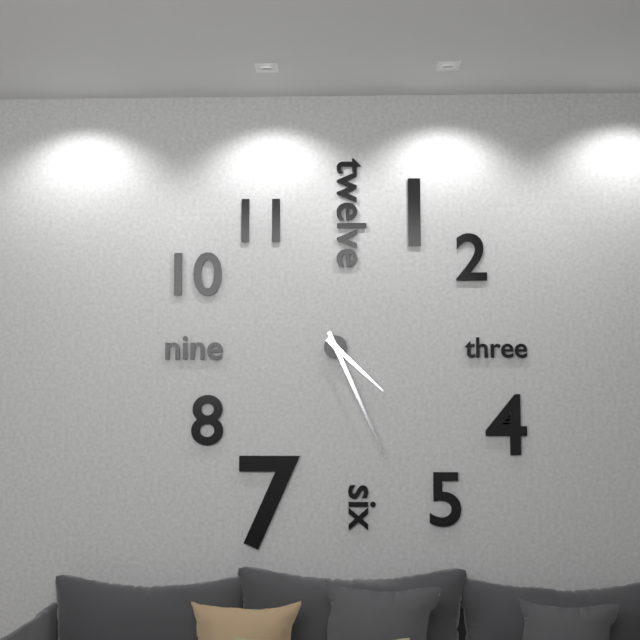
4:26
